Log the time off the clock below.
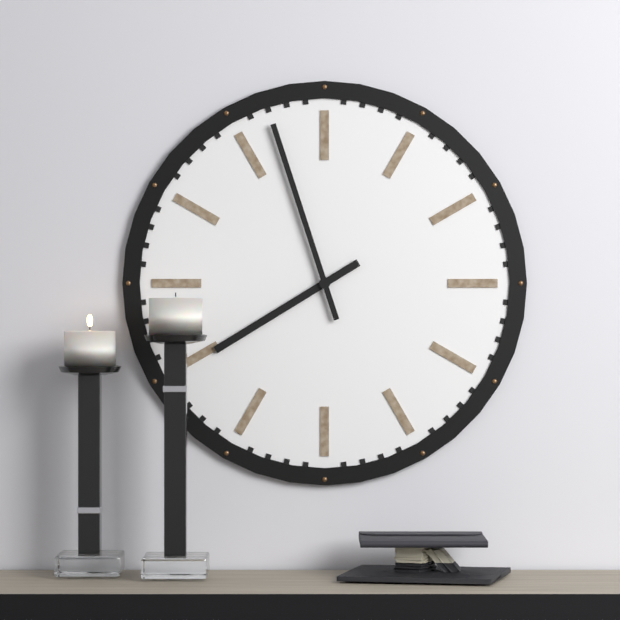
7:57
